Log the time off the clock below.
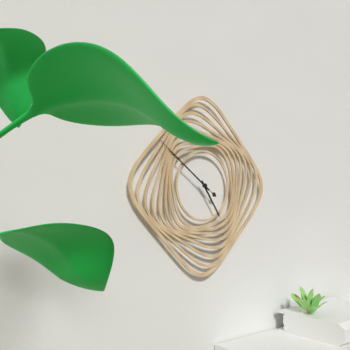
4:51:51
